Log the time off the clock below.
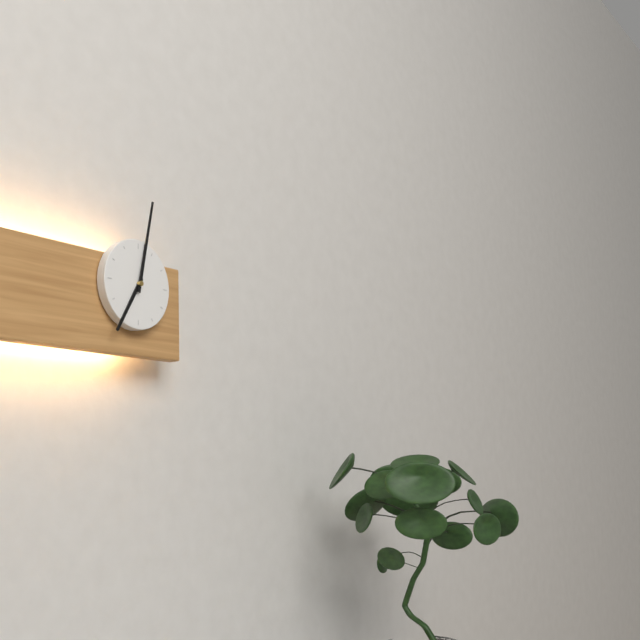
7:02
